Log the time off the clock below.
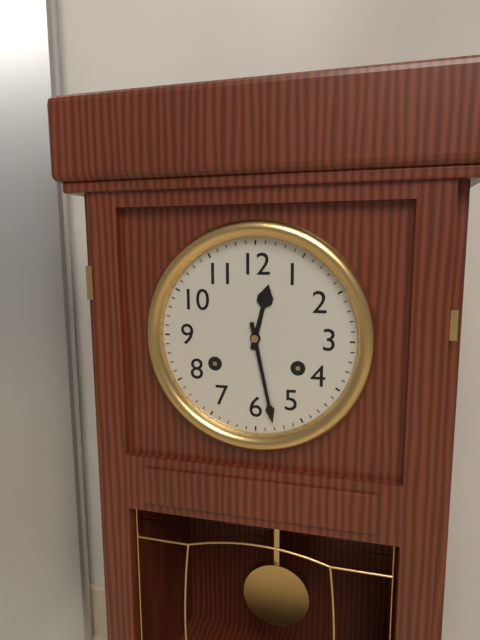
12:28
